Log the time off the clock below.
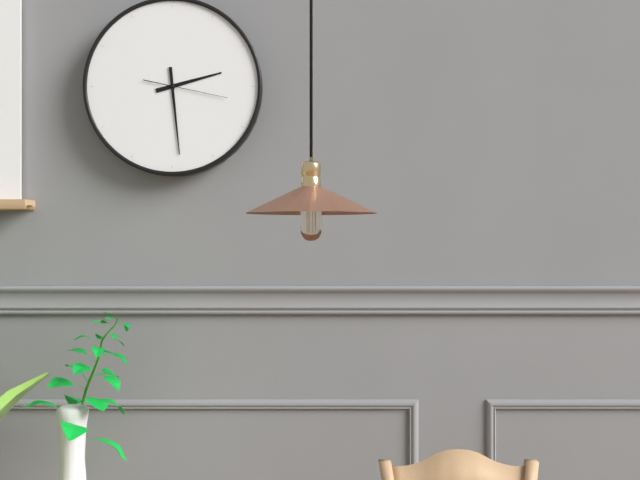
2:29:17
